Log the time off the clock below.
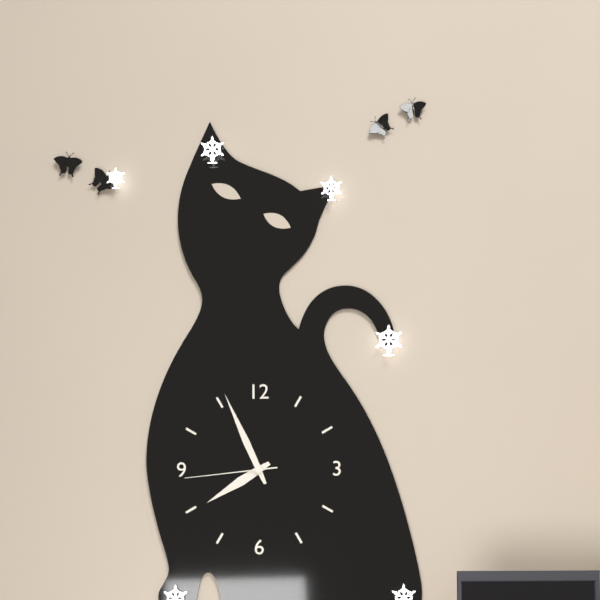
7:56:44
